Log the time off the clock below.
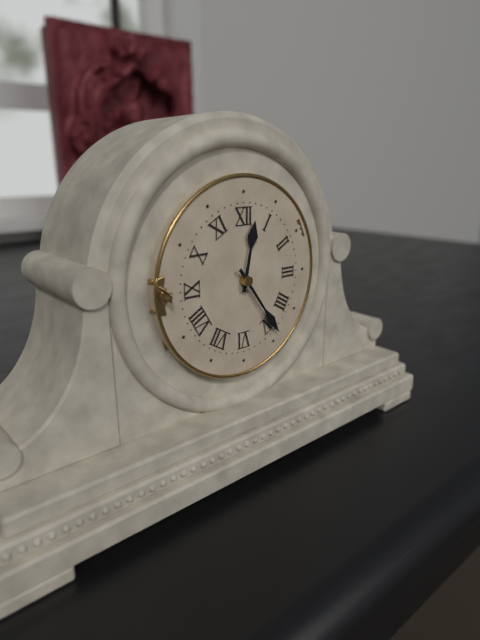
12:24
